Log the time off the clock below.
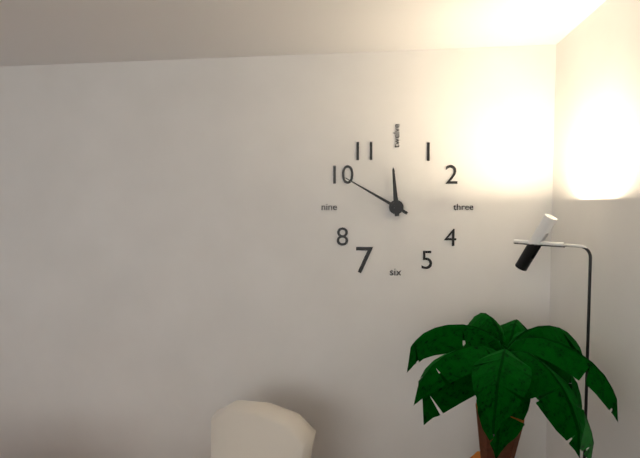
11:50
